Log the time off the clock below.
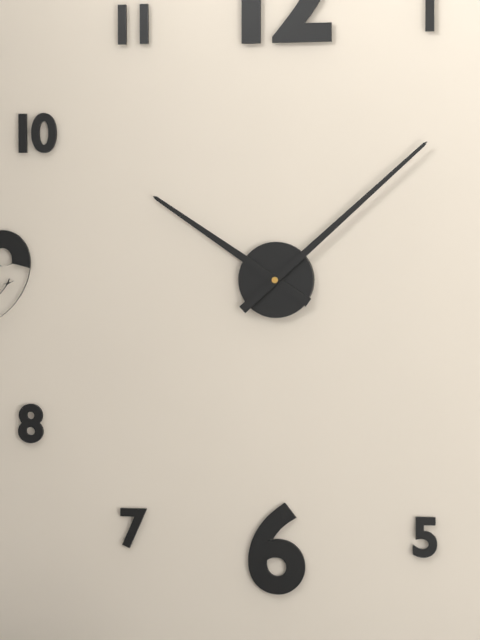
10:08
